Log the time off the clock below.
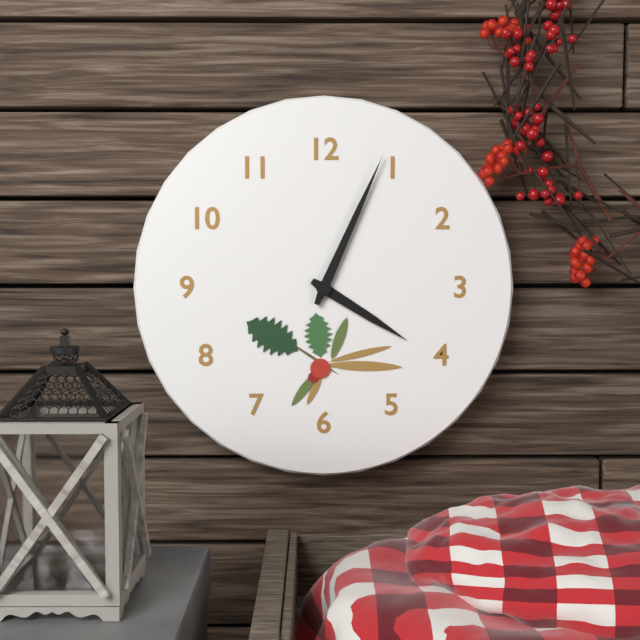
4:04
